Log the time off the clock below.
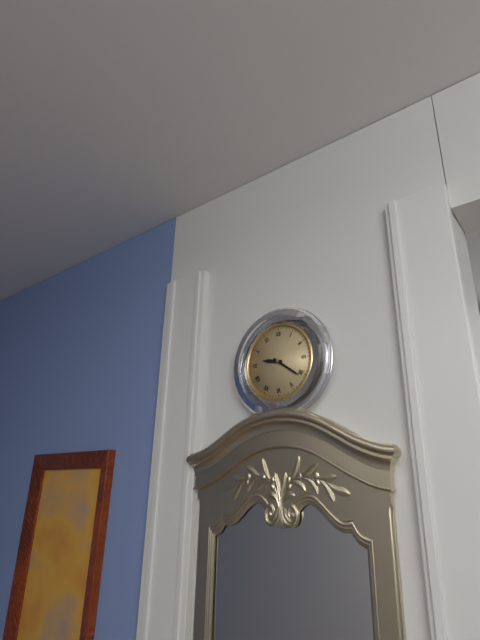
9:21
